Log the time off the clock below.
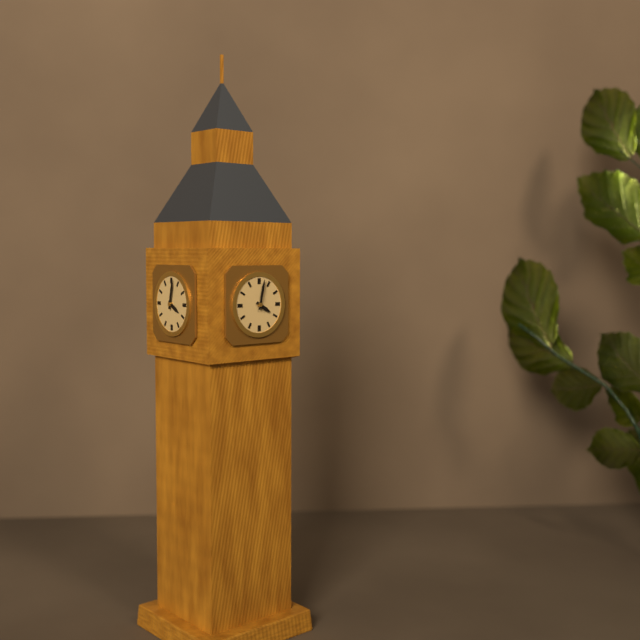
4:02
